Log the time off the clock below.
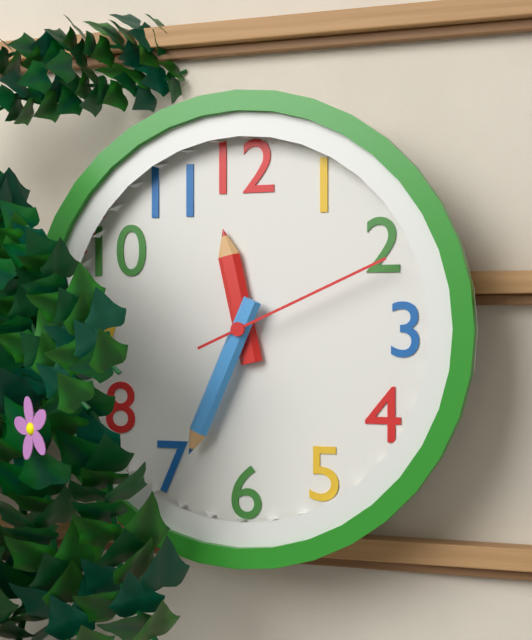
11:34:11
